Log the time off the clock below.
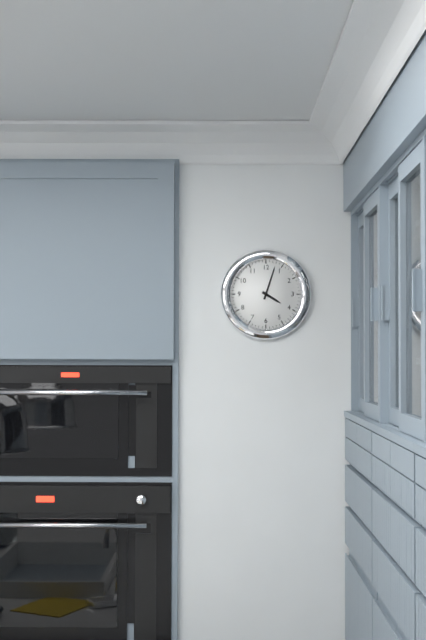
4:03
